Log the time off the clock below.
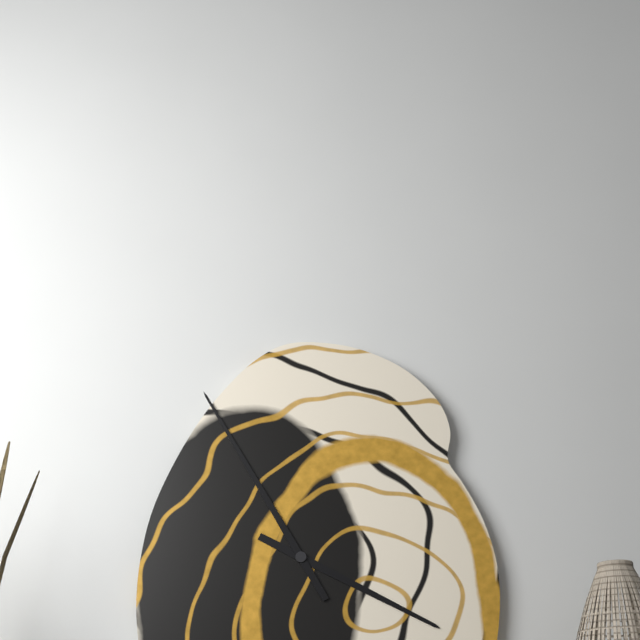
3:55
